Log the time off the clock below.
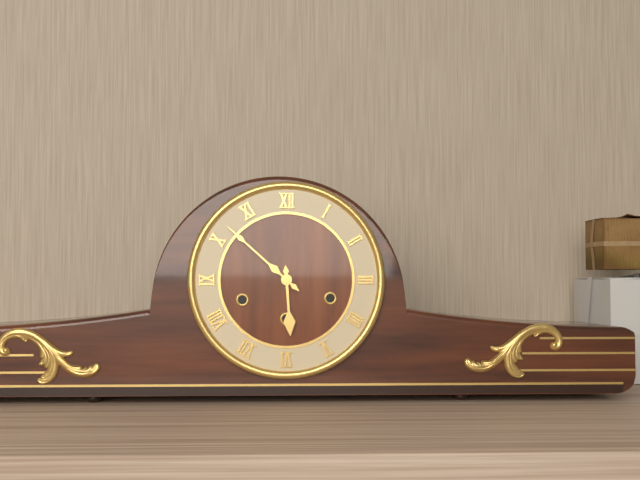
5:52
